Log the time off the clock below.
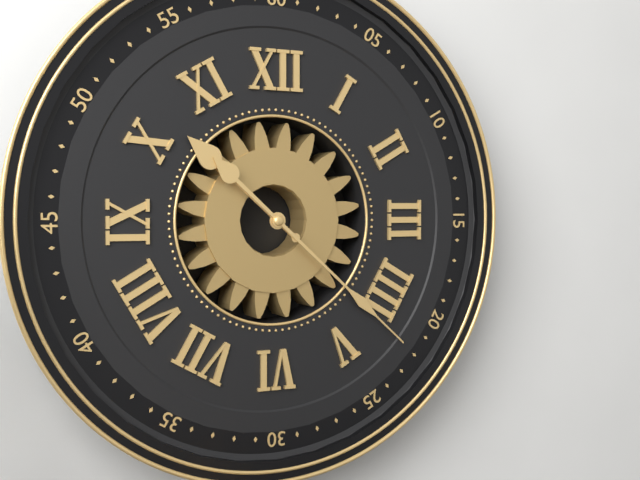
10:22
